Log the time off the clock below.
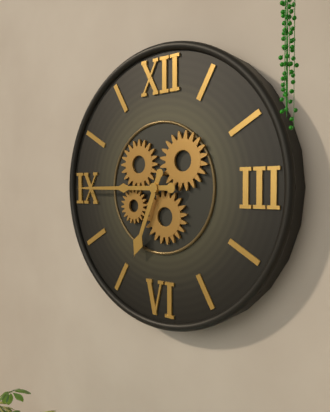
6:45
